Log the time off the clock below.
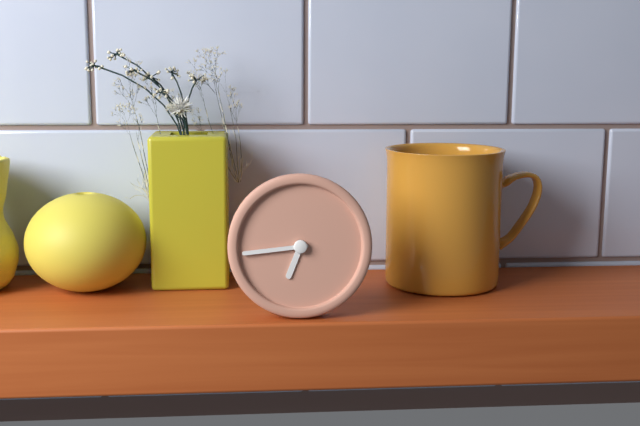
6:44
